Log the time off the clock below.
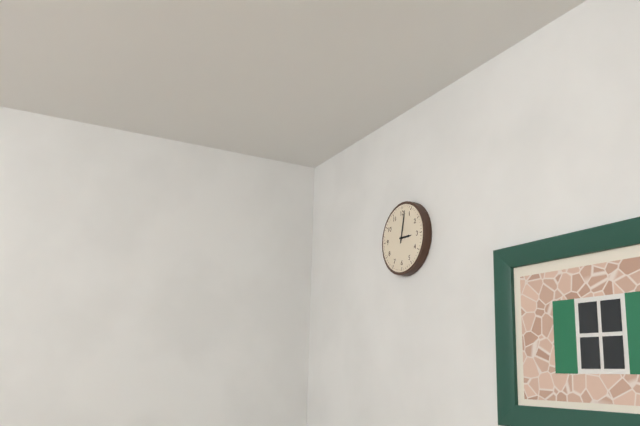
3:02
